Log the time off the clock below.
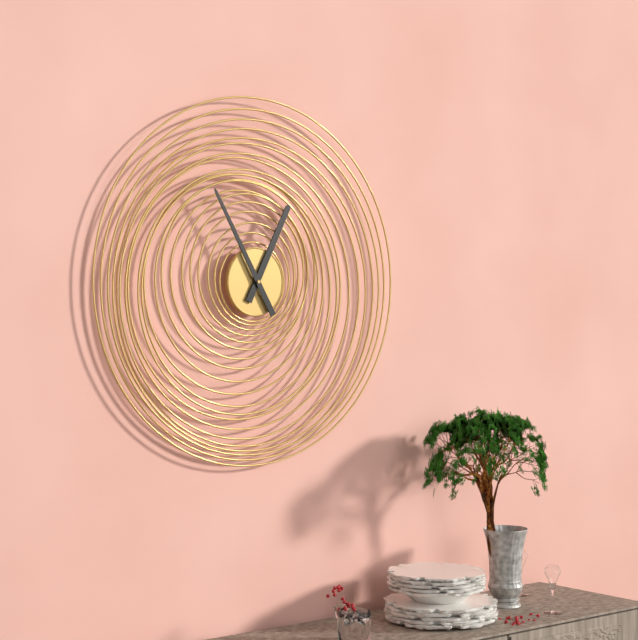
12:55
